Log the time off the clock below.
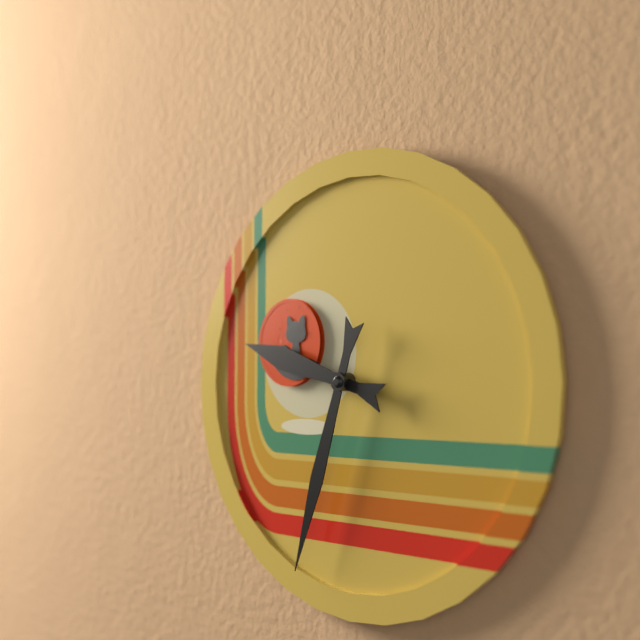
9:33
